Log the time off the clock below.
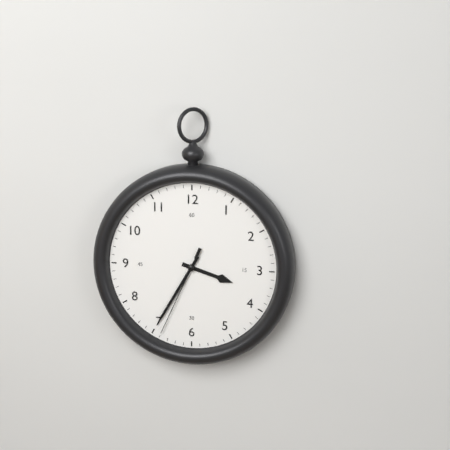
3:35:34
